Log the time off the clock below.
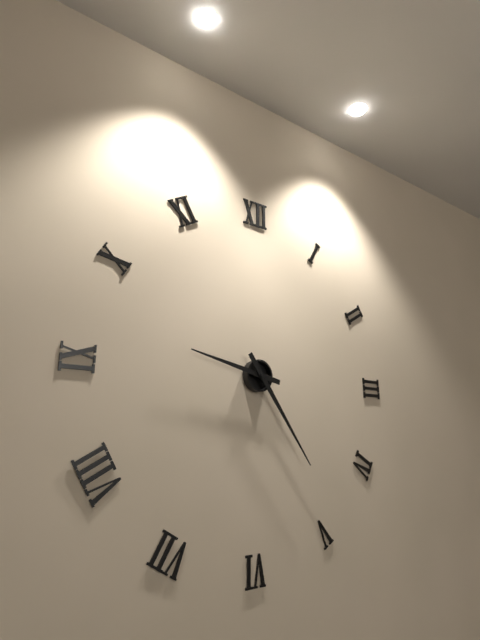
9:24
